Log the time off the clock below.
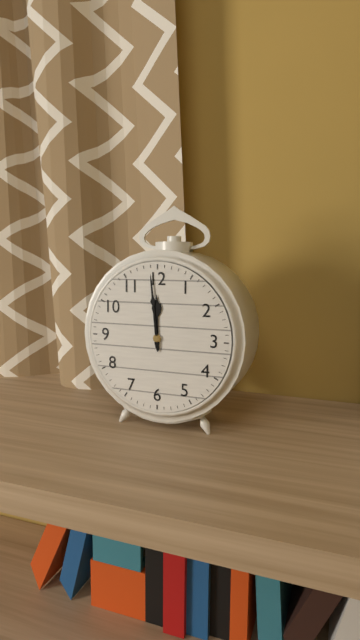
11:59
